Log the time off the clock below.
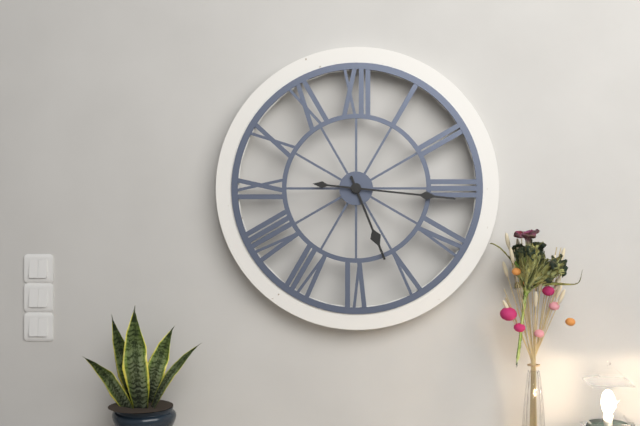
5:16
